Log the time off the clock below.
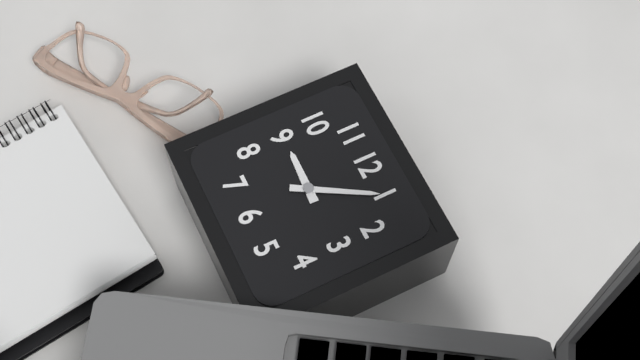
9:05
